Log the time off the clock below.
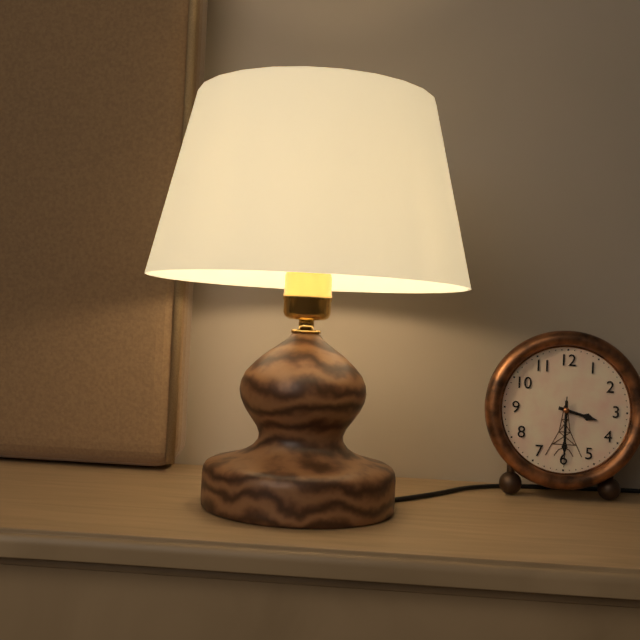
3:30:30
